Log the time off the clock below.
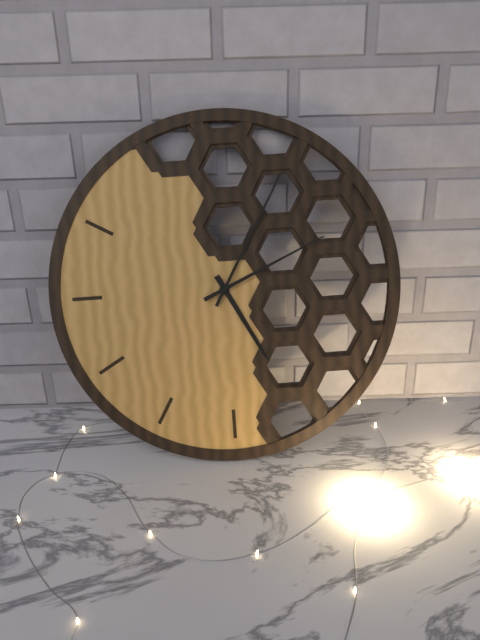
5:05:11
